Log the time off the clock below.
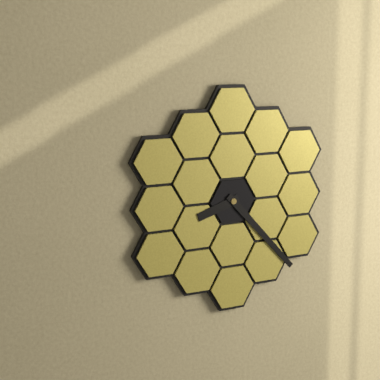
8:23
